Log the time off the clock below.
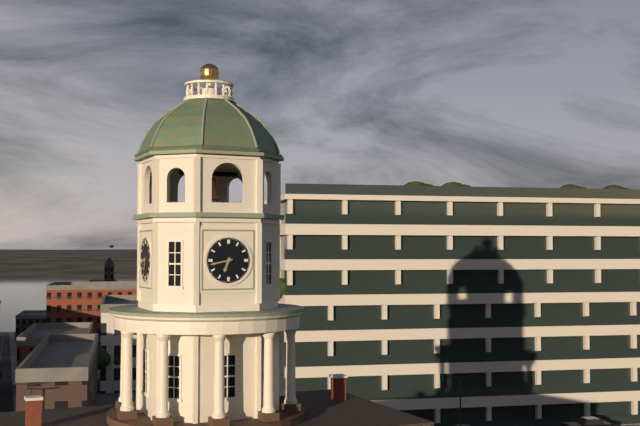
6:43
